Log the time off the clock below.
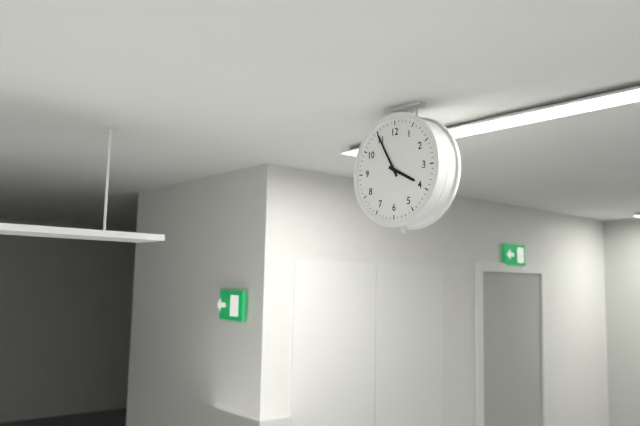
3:55
